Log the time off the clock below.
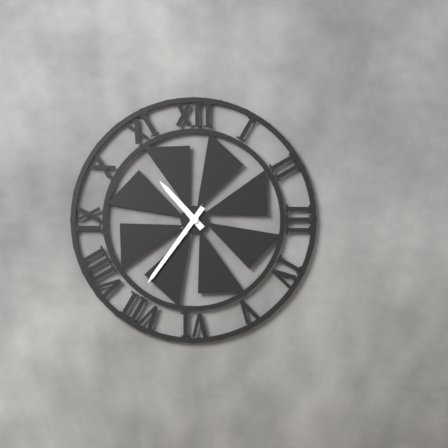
10:36
